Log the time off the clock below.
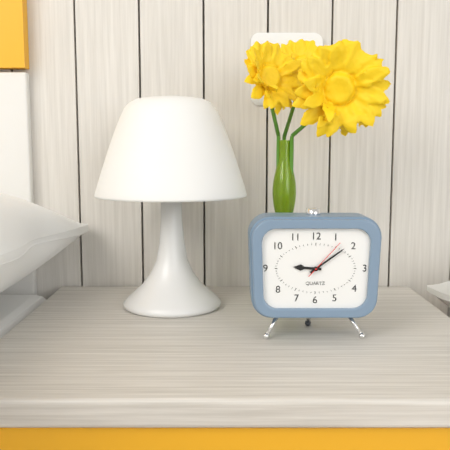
9:09
